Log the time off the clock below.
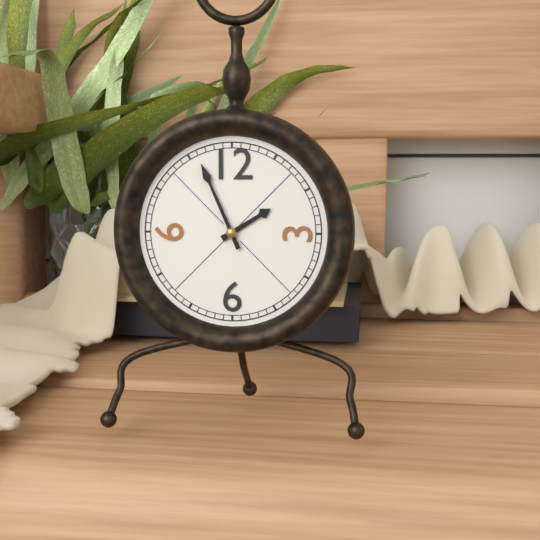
1:56
